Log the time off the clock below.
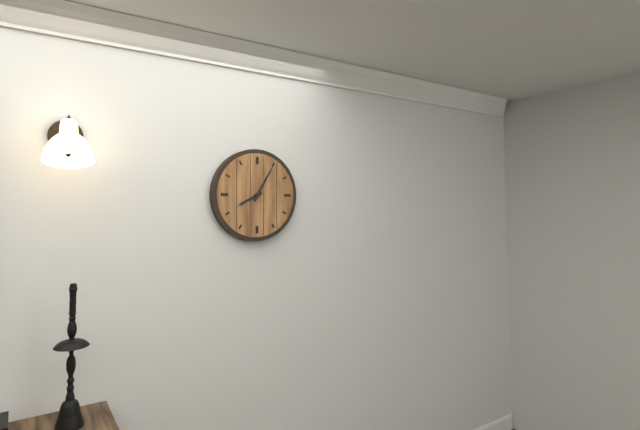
8:05
